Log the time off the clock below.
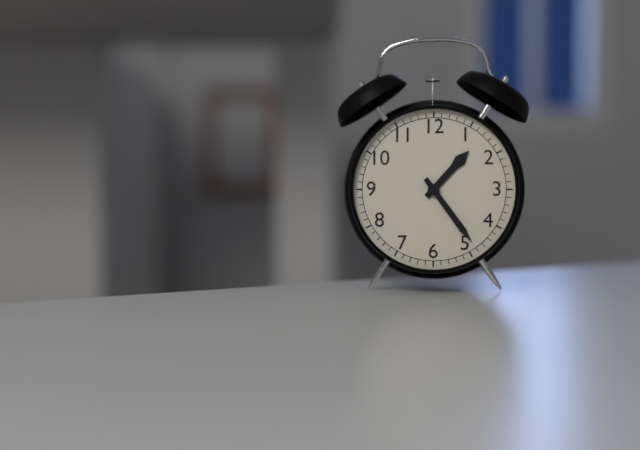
1:24
